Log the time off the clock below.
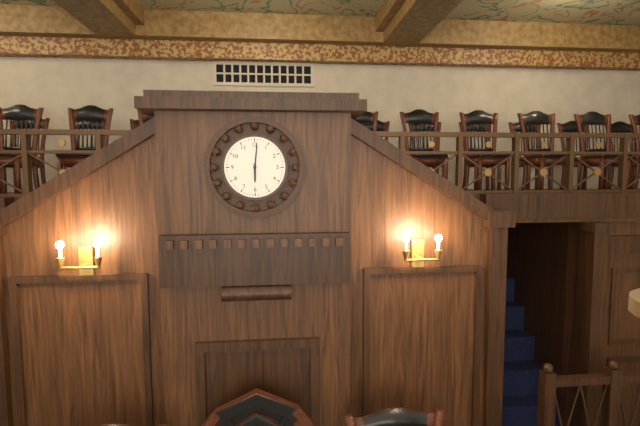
6:01
